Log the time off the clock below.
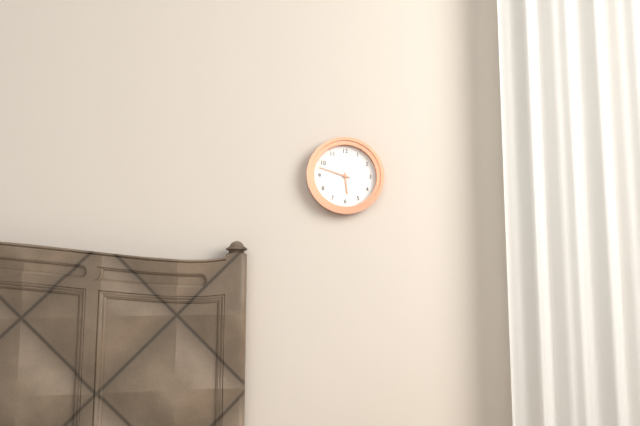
5:48
